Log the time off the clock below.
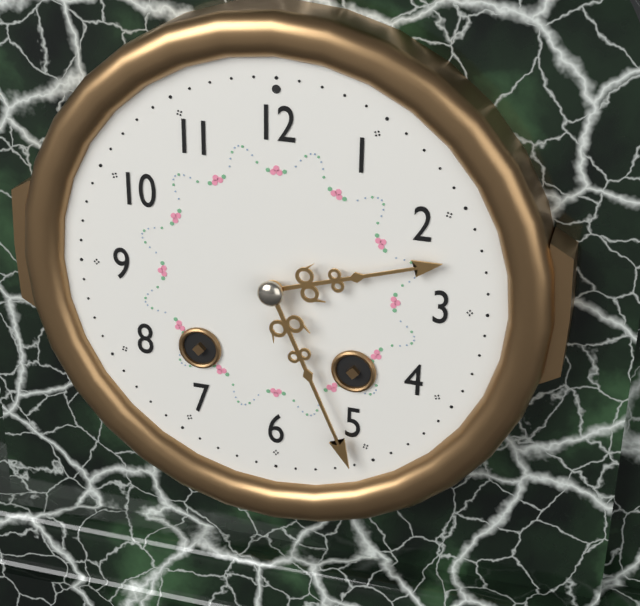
2:26
